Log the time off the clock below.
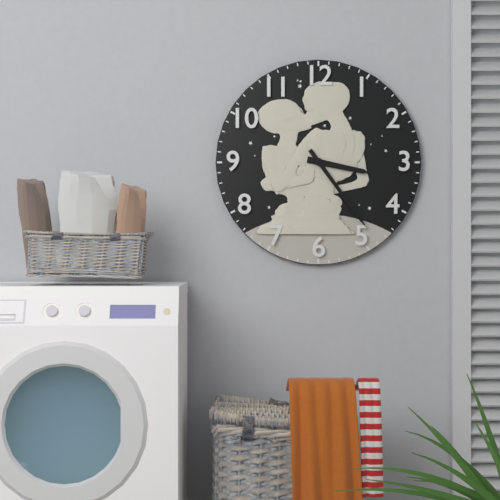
3:24
